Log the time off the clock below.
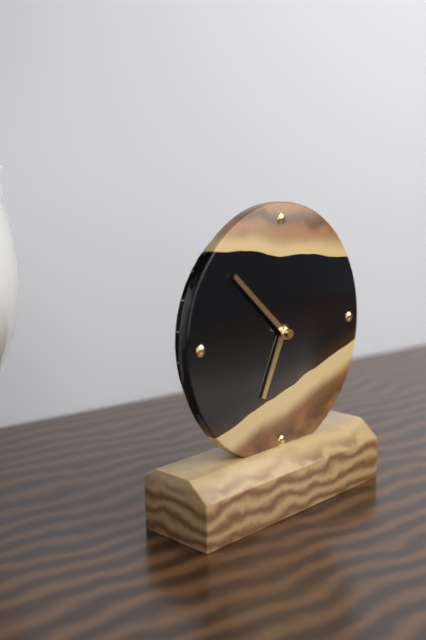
6:52
